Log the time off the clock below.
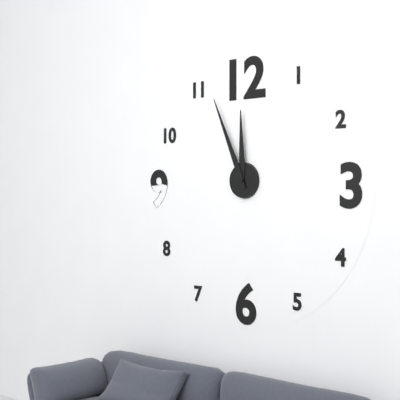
11:56
